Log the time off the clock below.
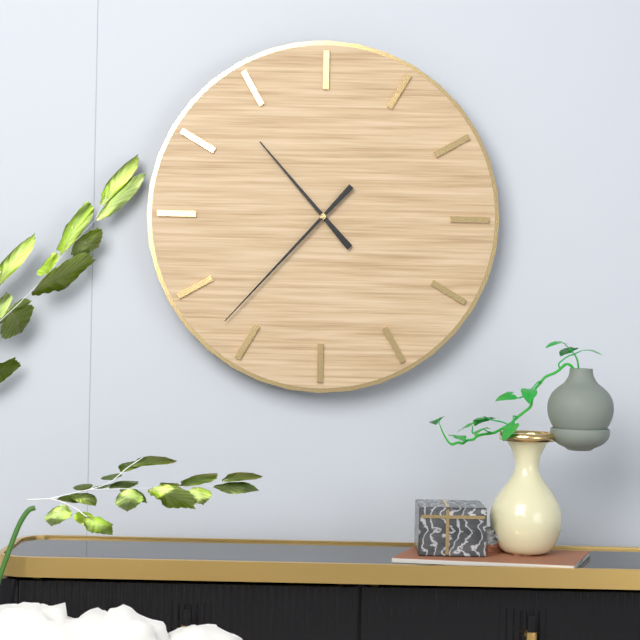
10:37
